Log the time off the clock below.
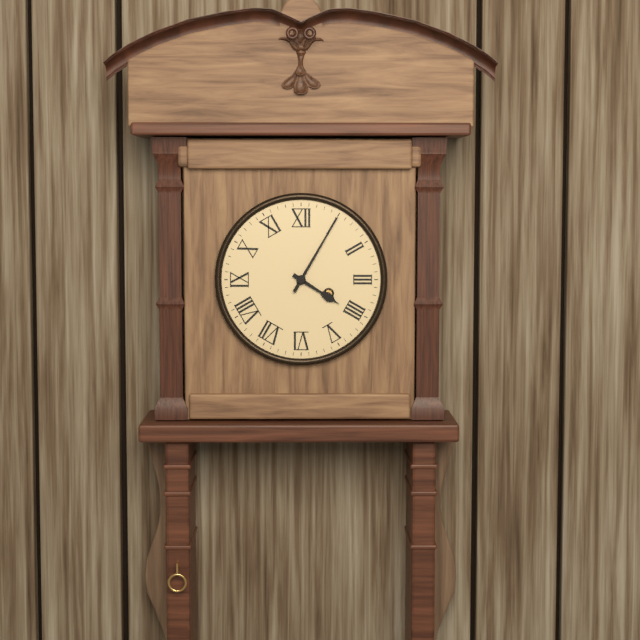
4:05
